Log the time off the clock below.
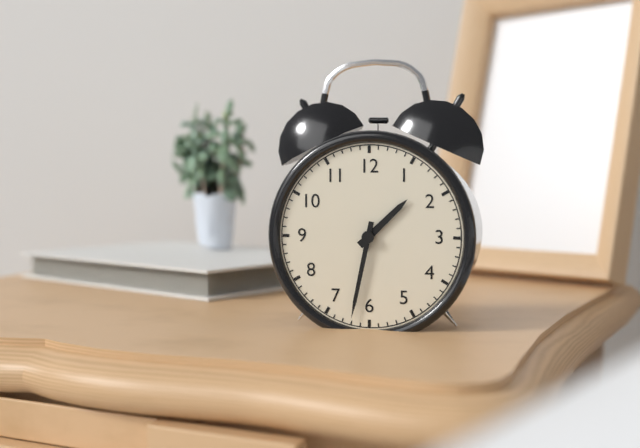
1:32
